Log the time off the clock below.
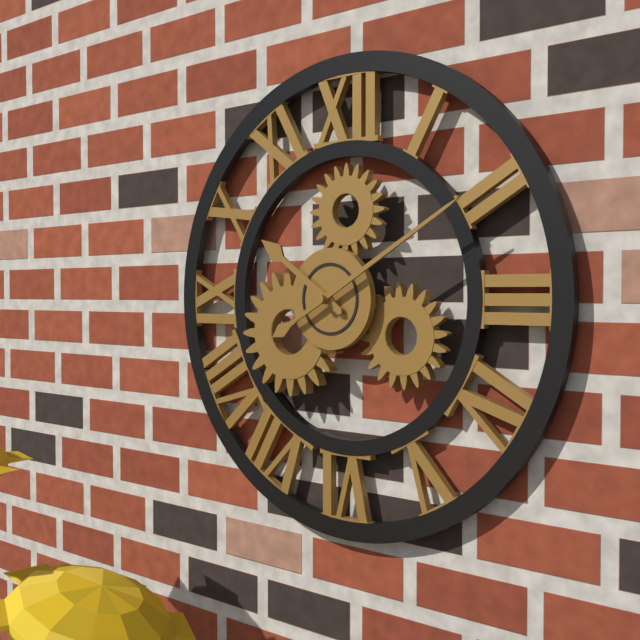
10:10
